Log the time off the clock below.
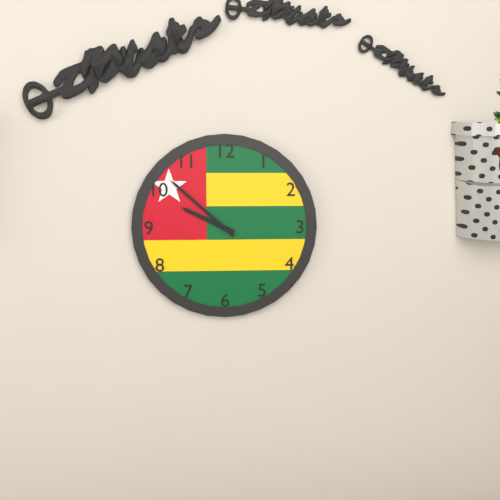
9:52
